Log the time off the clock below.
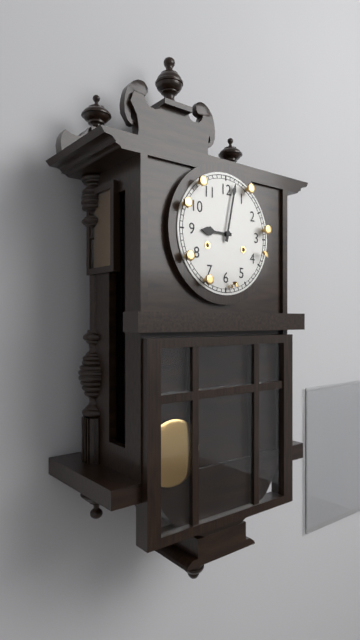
9:02
